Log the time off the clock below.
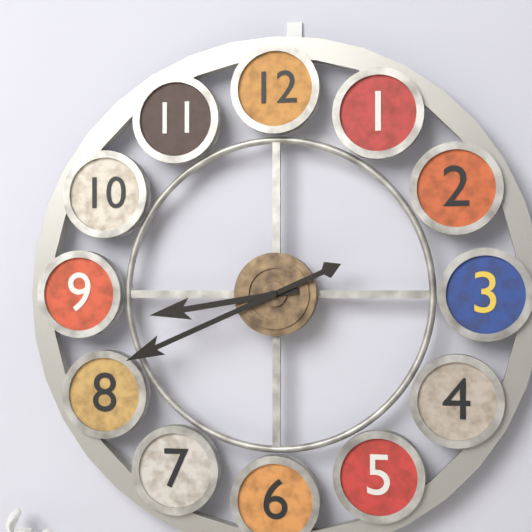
8:41
